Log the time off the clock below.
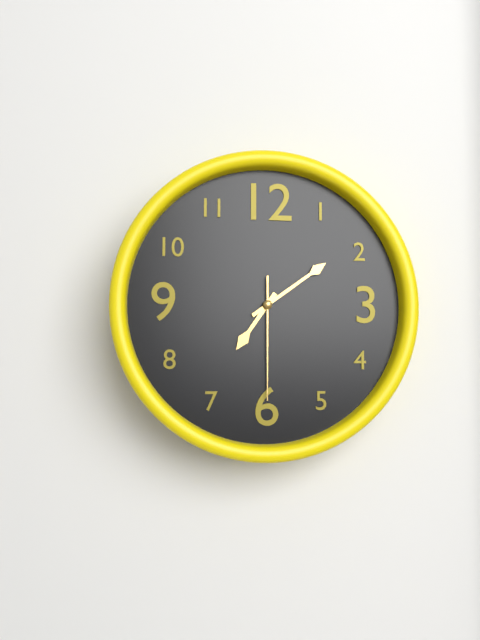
7:09:30
